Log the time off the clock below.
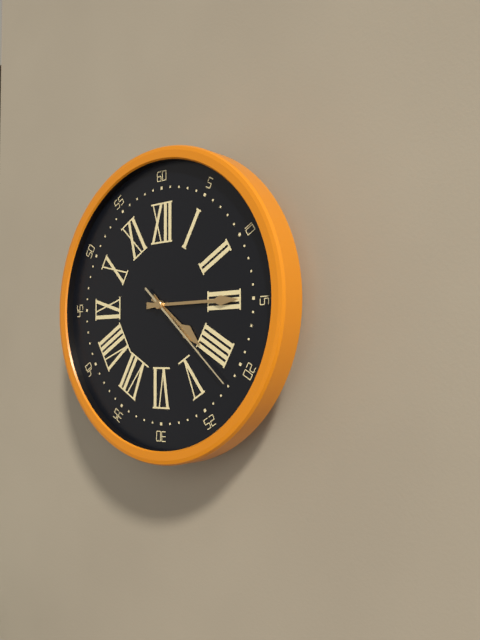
4:15:22
